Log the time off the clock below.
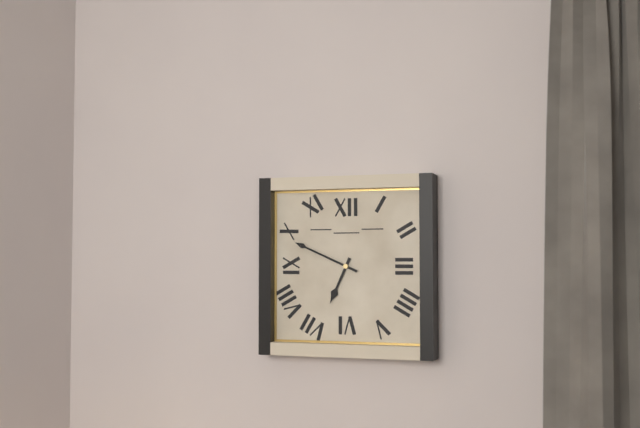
6:49
